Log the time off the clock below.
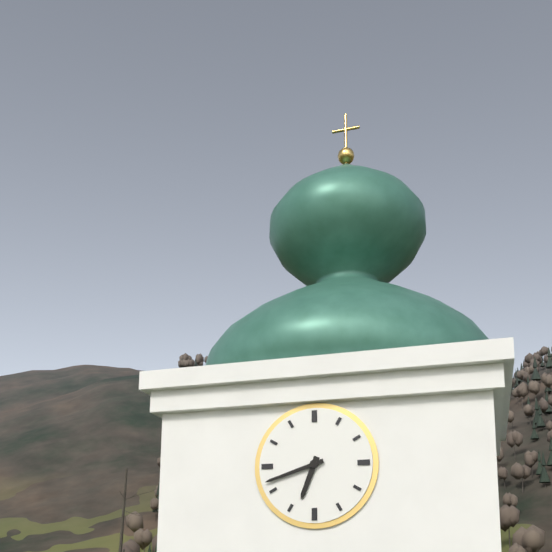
6:42
